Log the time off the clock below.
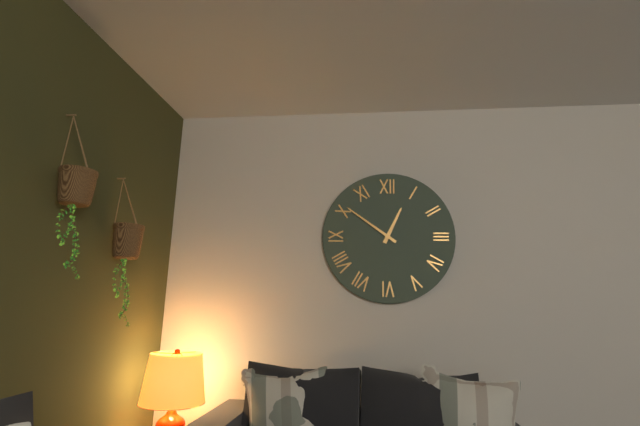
12:51
